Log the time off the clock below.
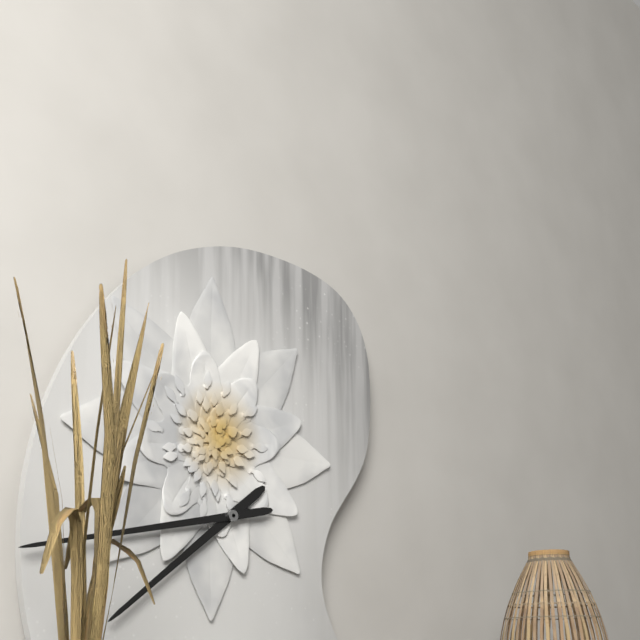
7:43
